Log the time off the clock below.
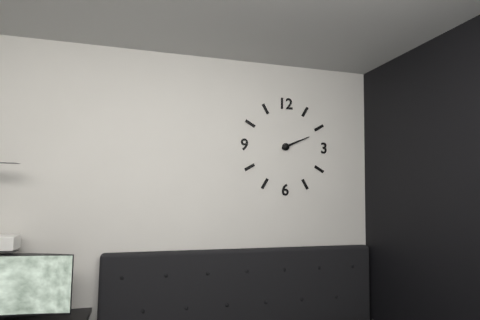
2:11
